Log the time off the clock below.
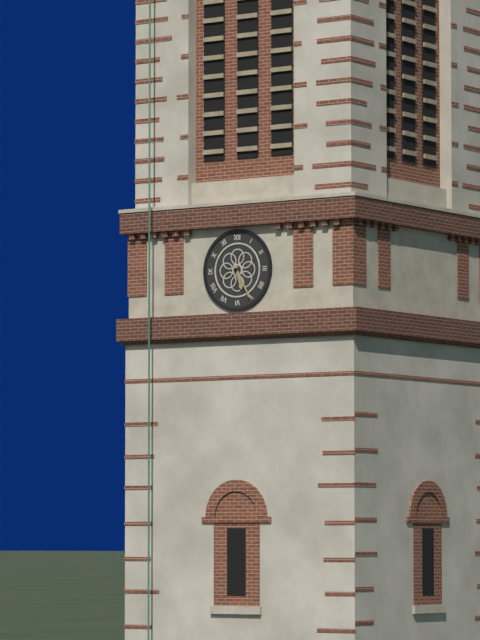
5:25
